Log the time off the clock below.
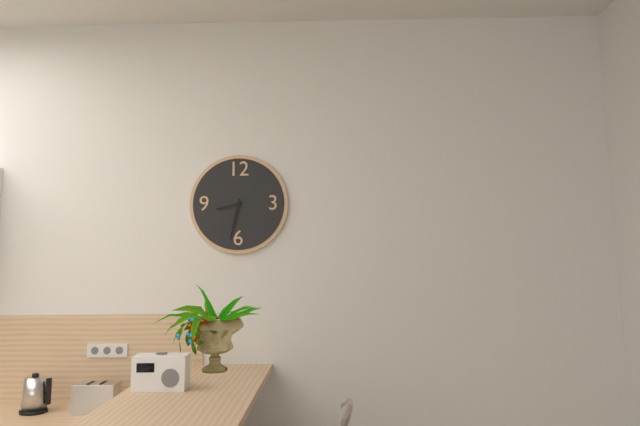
8:32
